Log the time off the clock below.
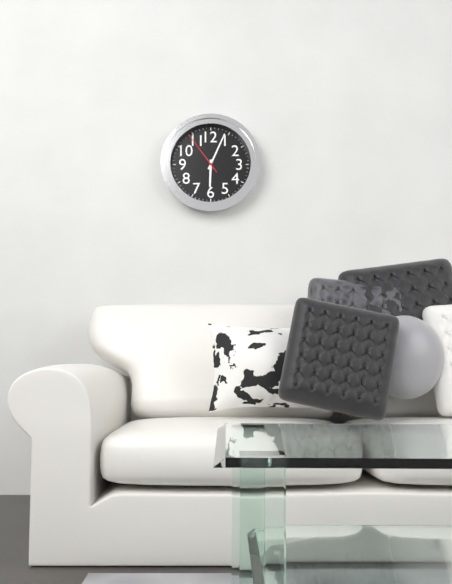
6:04
